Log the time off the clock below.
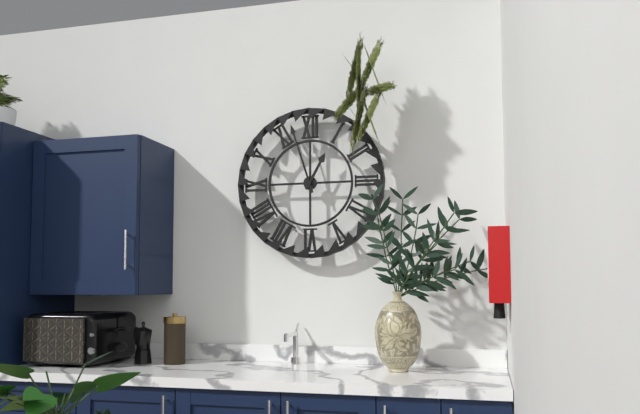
12:57
